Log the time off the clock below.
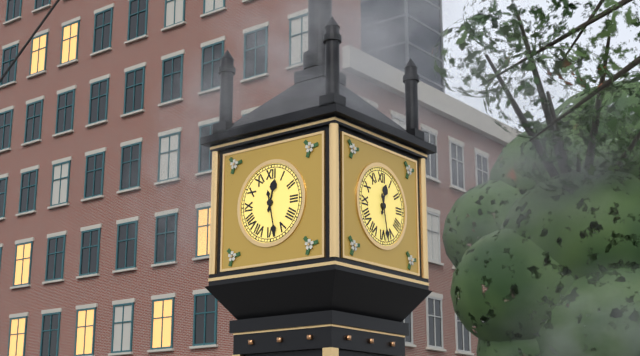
12:28
